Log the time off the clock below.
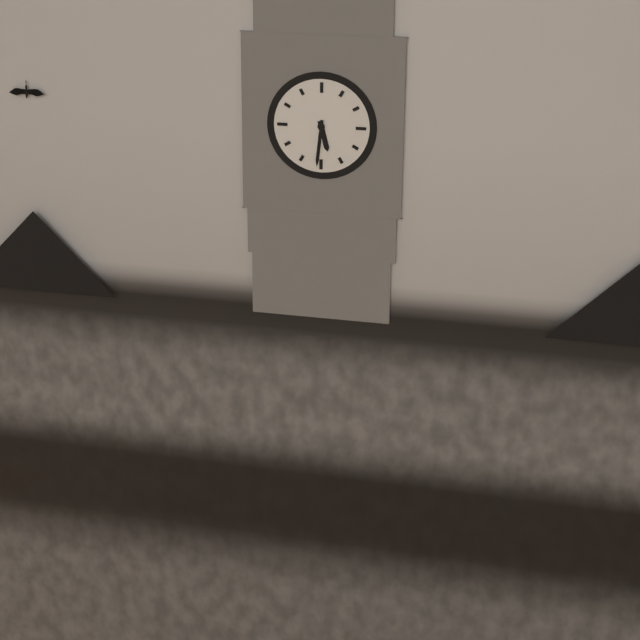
5:31
